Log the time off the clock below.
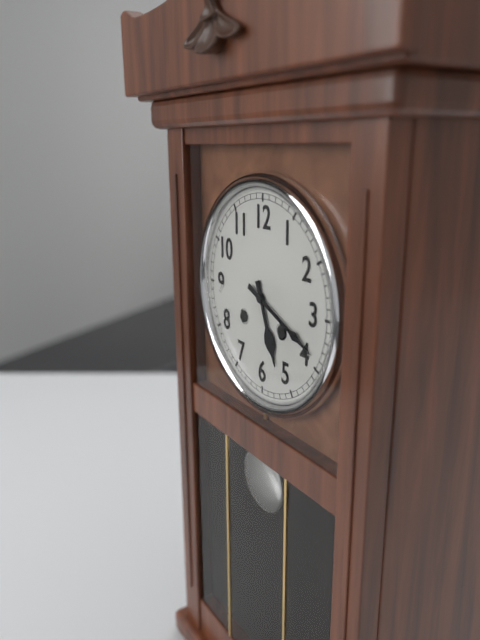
5:19
